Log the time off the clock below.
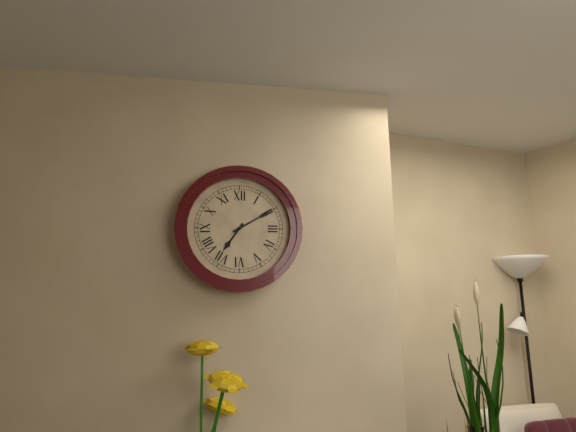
7:10
